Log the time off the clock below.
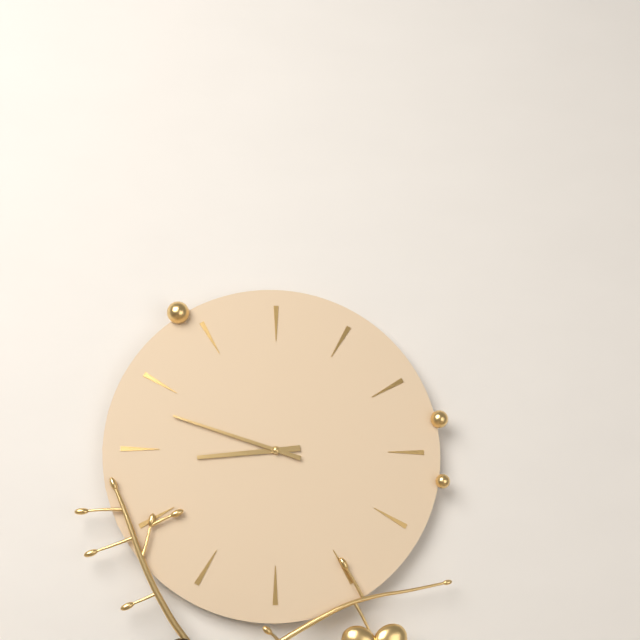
8:48
